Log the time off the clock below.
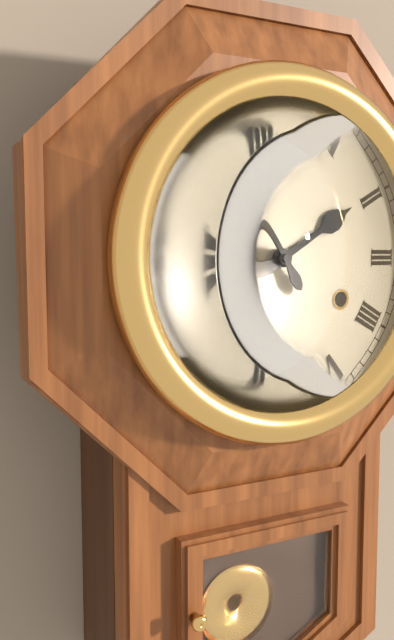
1:55
